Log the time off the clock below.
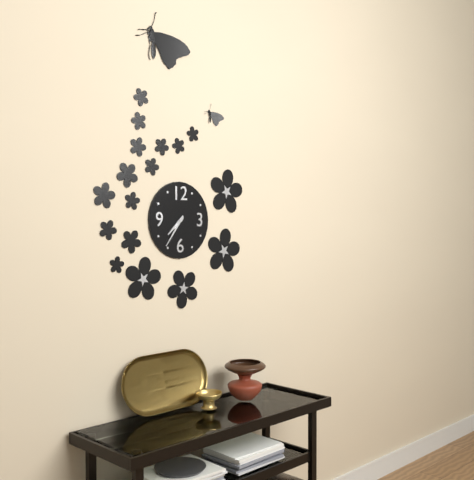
7:36
